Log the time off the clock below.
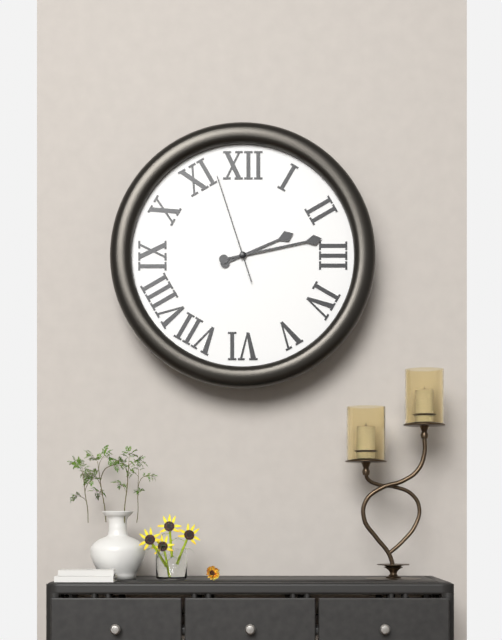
2:13:57
